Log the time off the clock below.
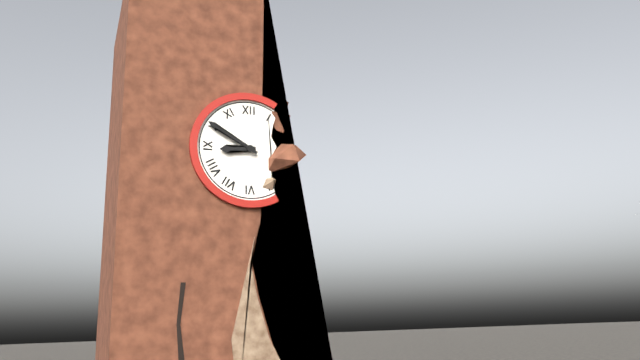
8:50
